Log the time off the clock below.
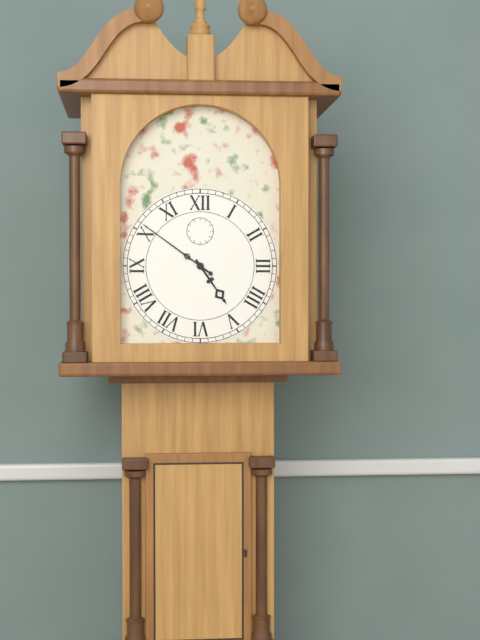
4:51
